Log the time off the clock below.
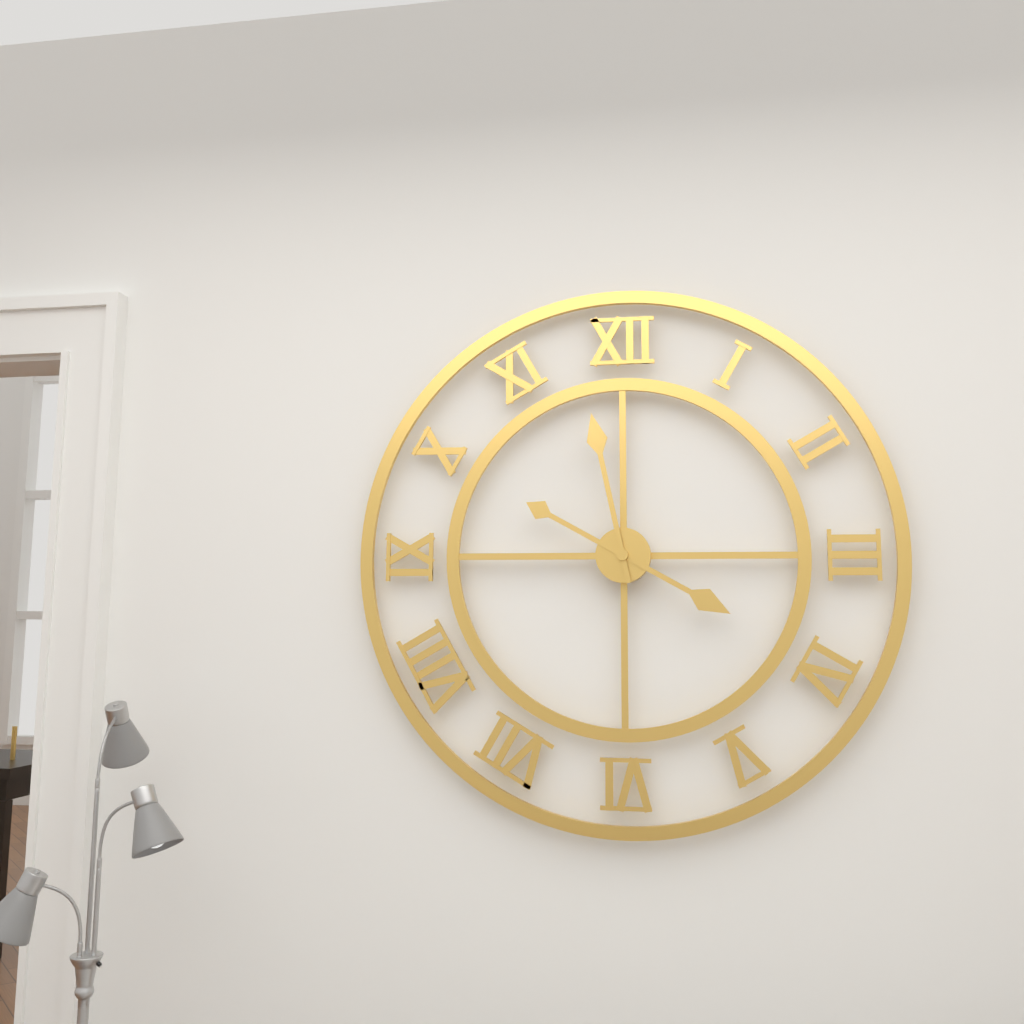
3:58
